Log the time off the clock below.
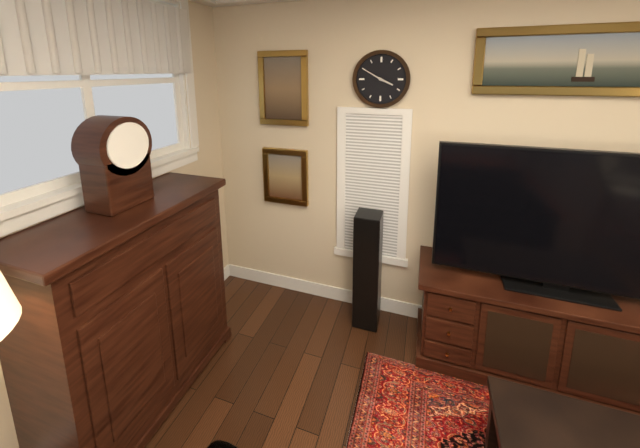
3:50
